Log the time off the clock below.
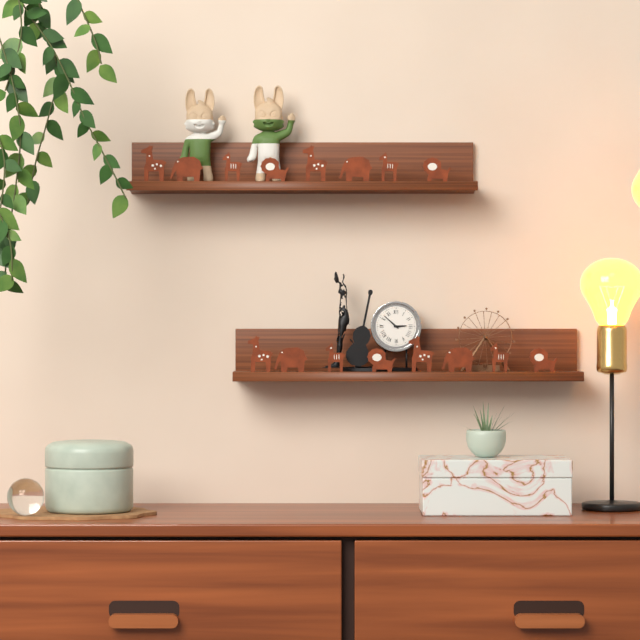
2:52
